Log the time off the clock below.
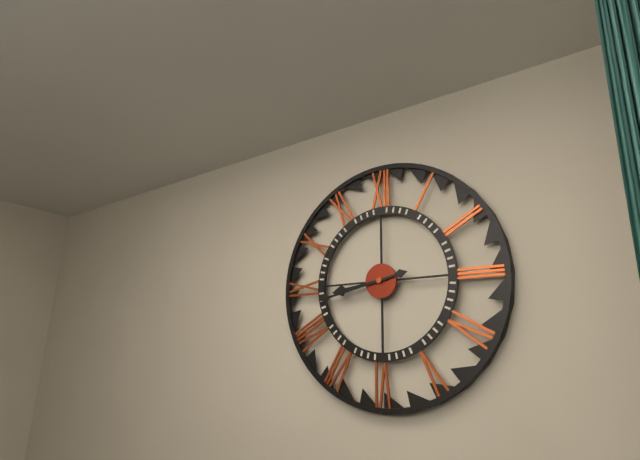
8:43
